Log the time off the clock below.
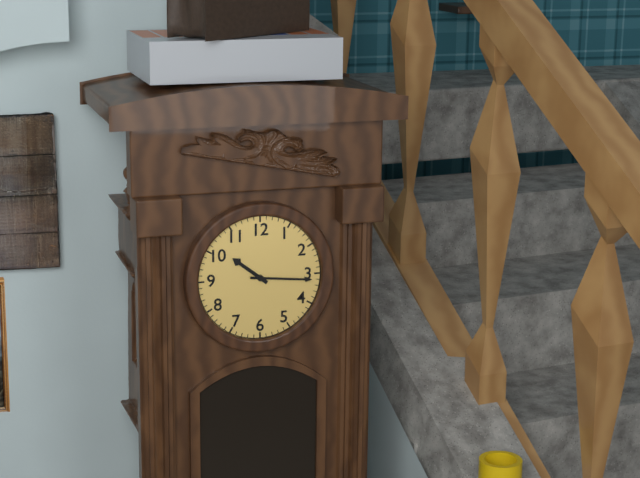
10:16
